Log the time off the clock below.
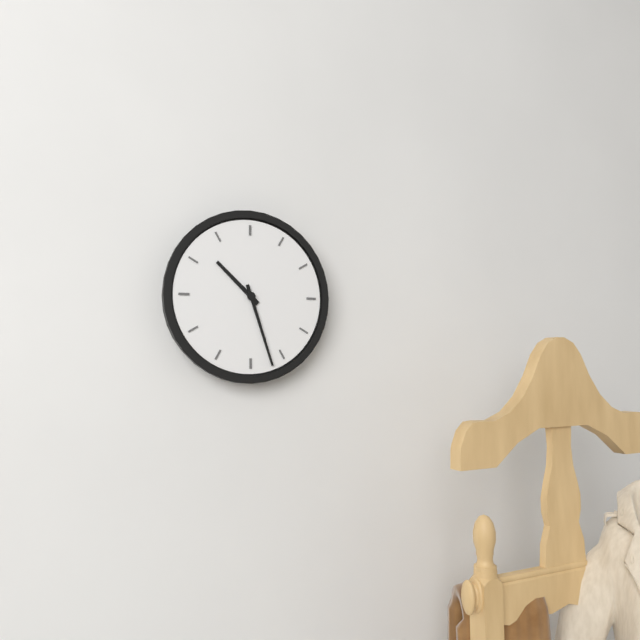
10:27
